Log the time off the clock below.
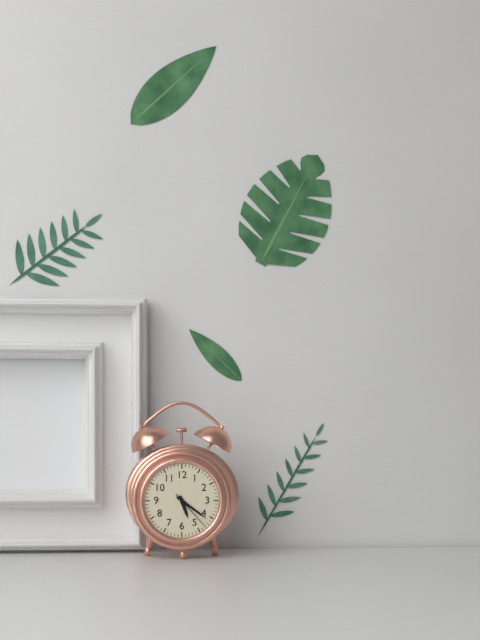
5:21
